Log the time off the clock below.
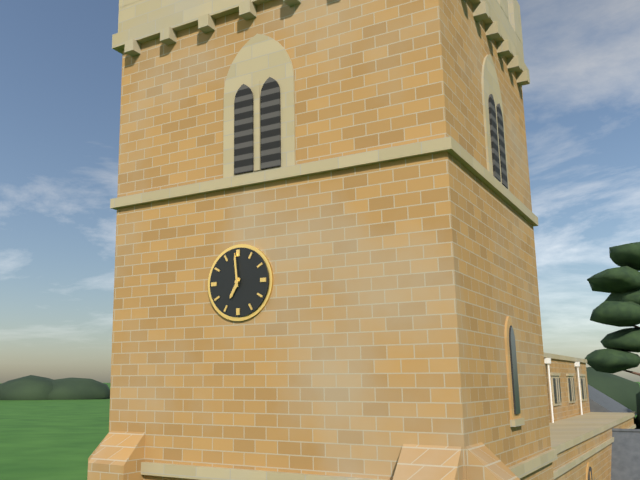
6:59
